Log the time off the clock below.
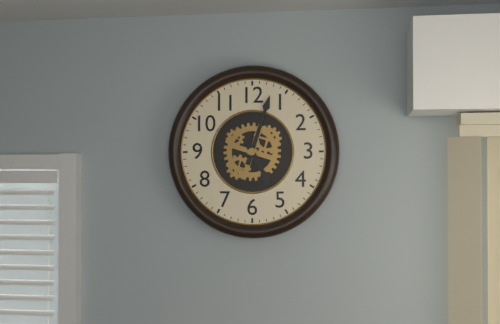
5:03
